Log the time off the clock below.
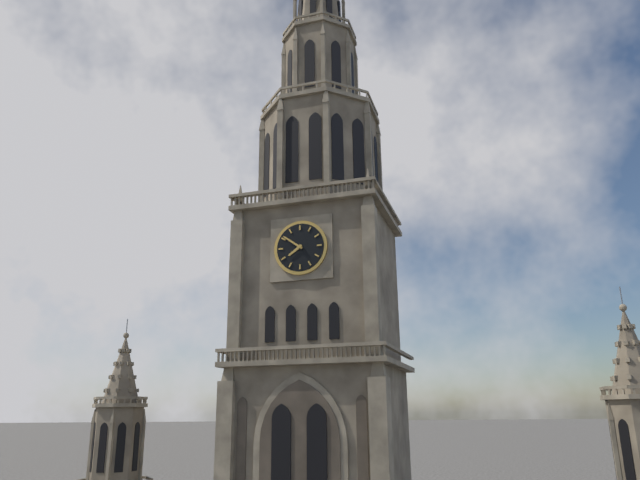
7:51
